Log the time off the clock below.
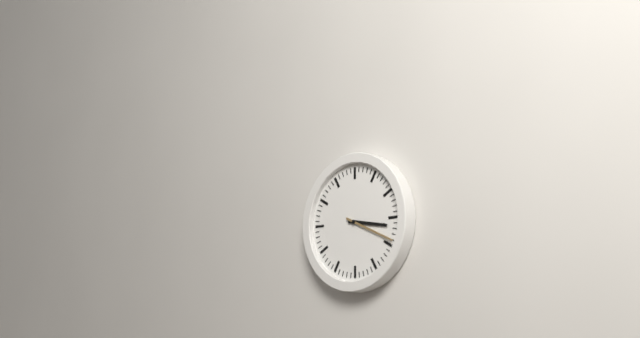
3:19
